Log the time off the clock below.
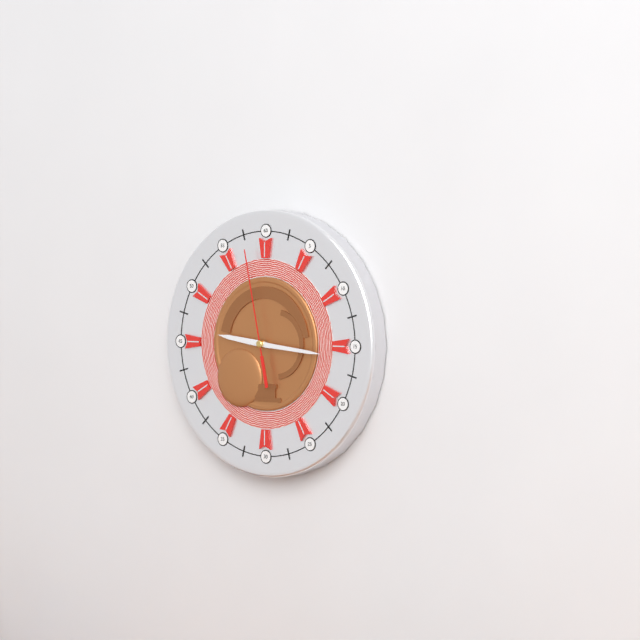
9:16:58
